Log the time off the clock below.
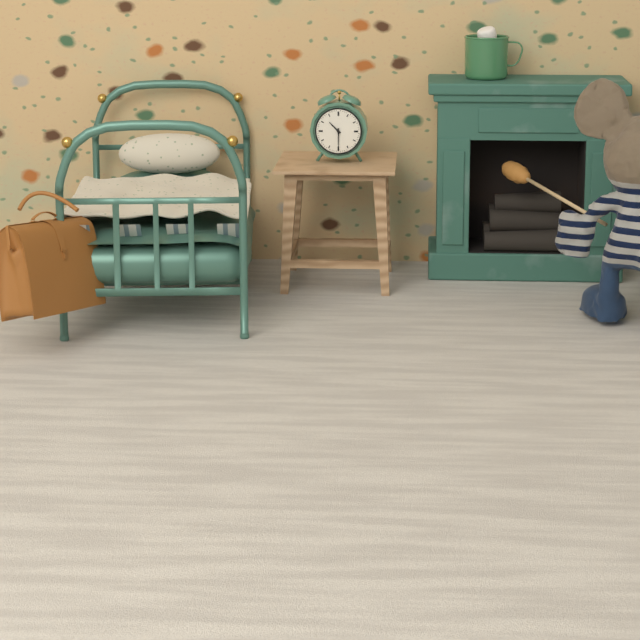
10:30
